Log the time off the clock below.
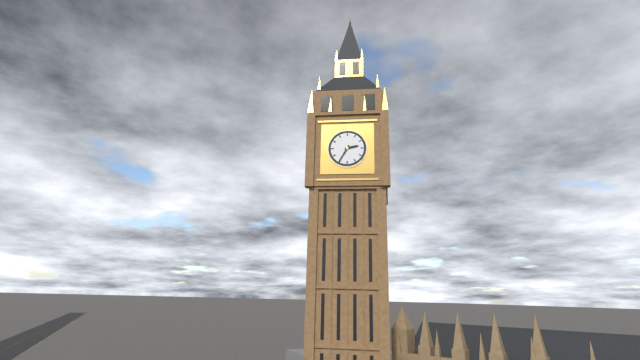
2:35
